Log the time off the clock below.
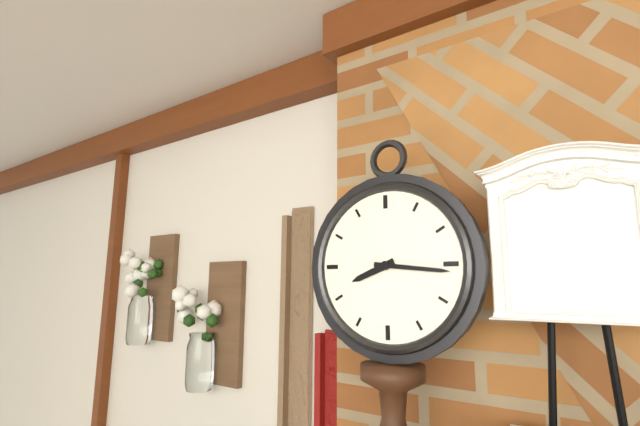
8:16
